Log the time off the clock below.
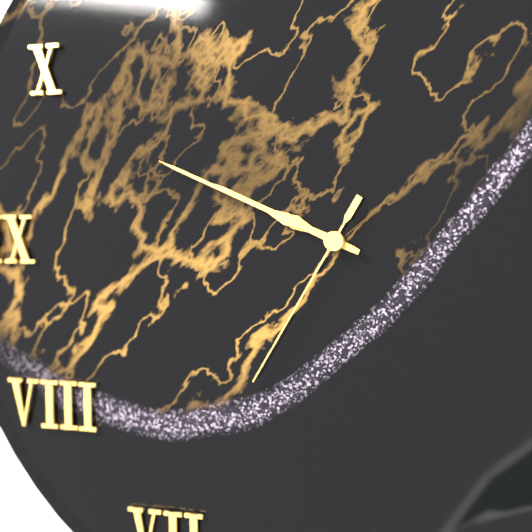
9:49:35
